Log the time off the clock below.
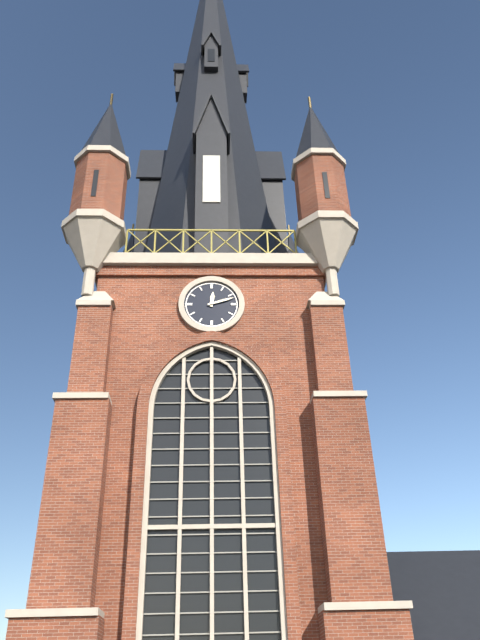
12:12
